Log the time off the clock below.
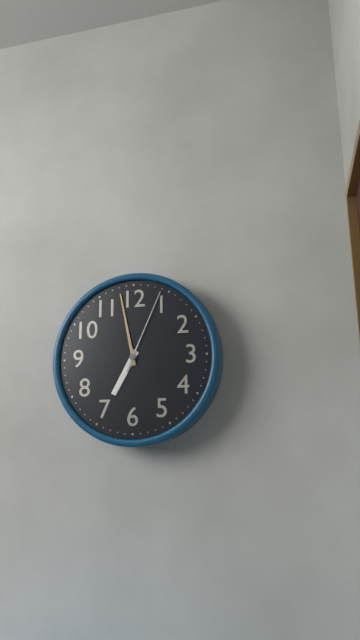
6:58:04
